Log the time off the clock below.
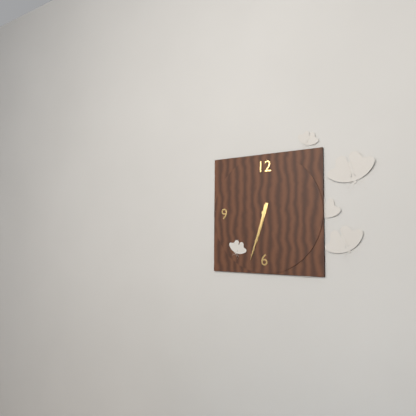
6:33
